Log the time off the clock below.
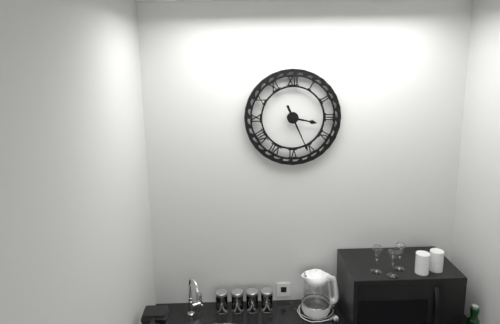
3:26
